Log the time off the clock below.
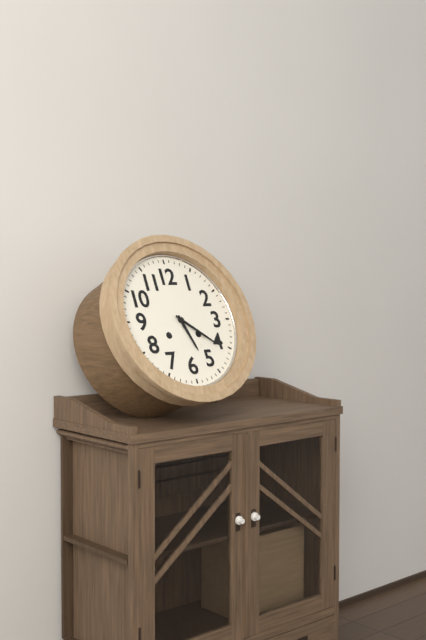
5:21
